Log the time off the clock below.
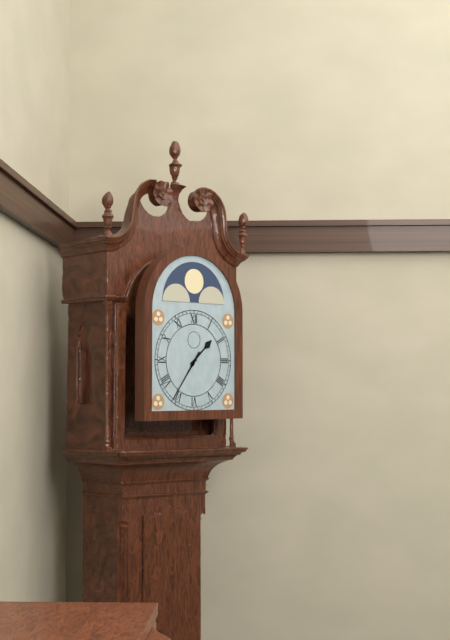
1:36
